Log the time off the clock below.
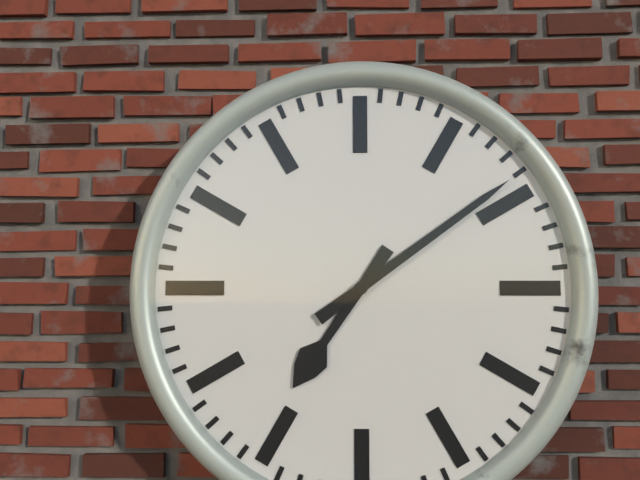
7:09
